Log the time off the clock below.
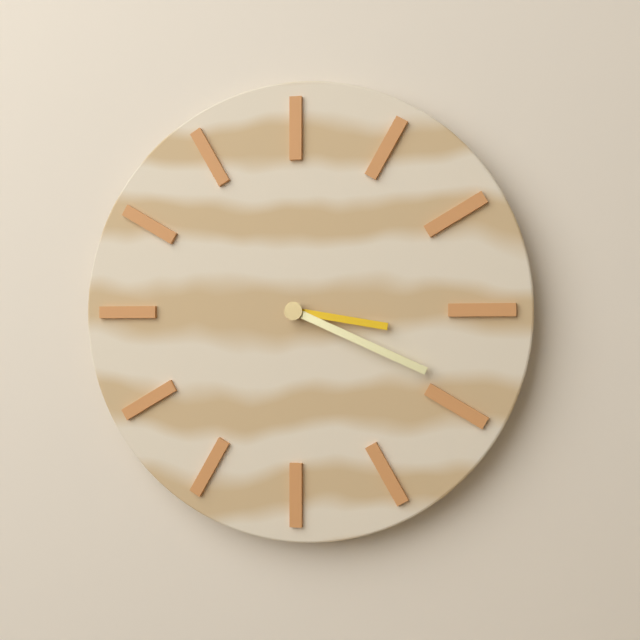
3:19
